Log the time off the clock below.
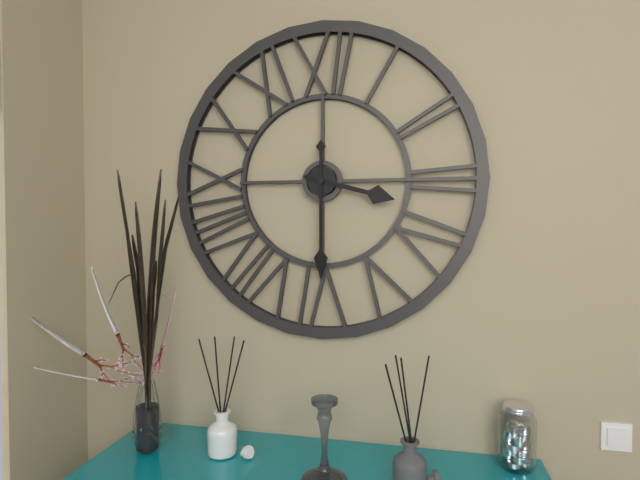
3:30
